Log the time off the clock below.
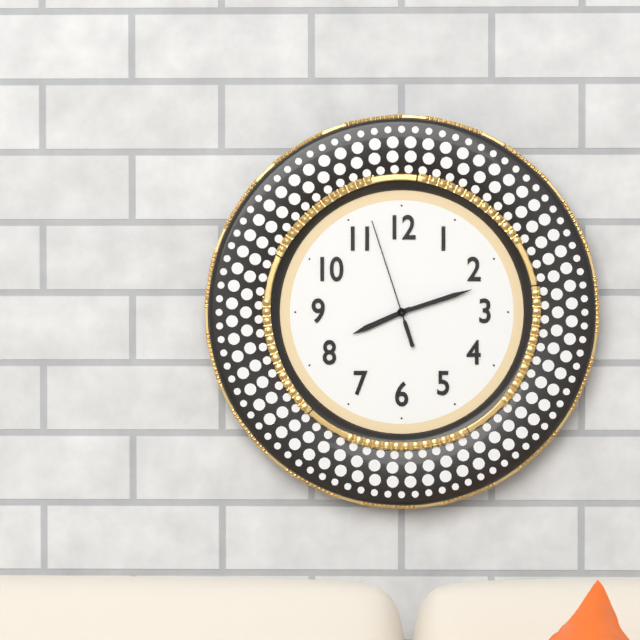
8:12:57
